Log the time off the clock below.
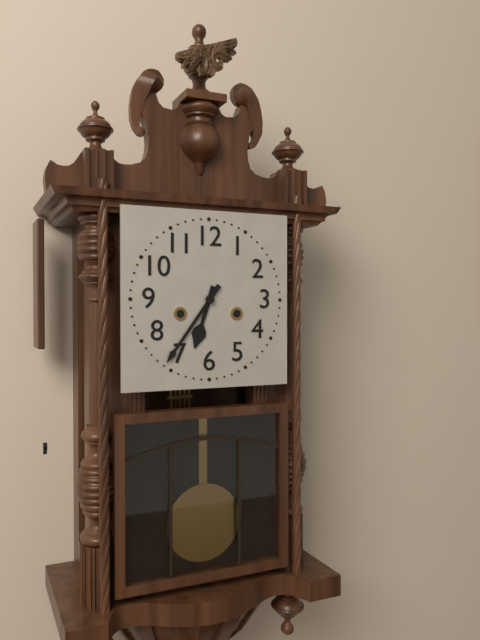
6:36
